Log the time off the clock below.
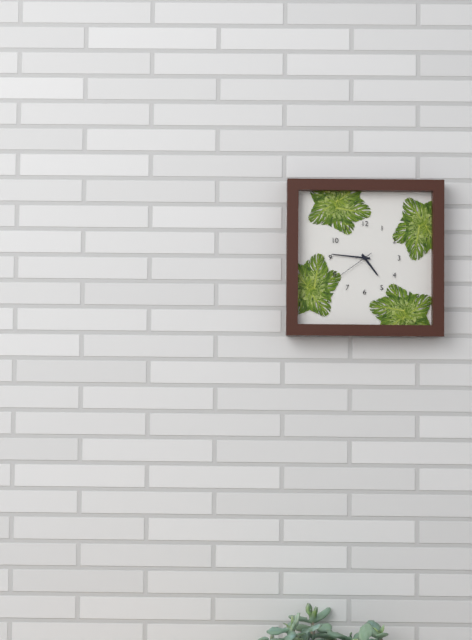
4:46
